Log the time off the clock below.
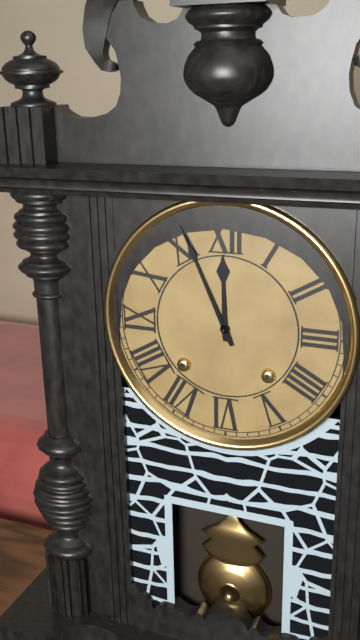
11:56
